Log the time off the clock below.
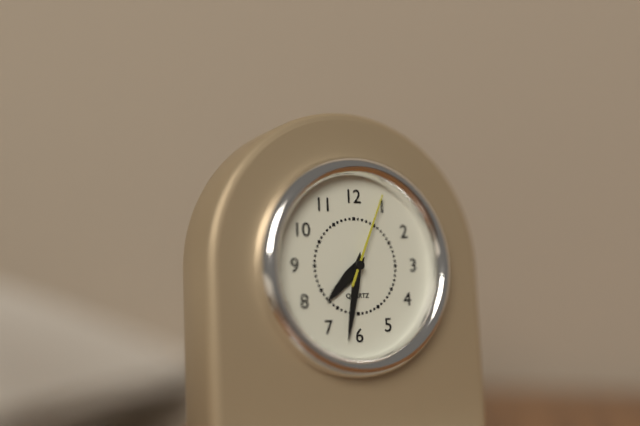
7:32:04
